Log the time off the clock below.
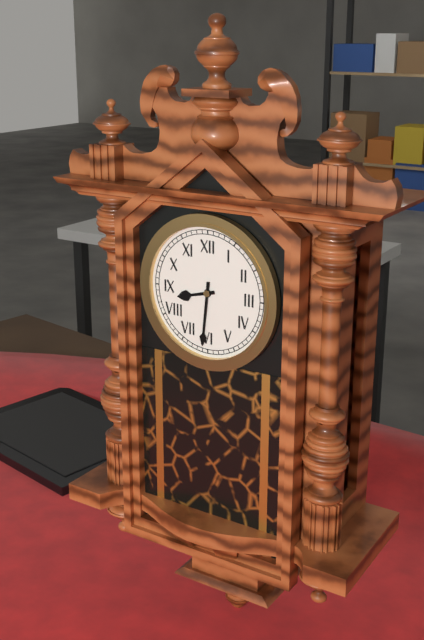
8:31
